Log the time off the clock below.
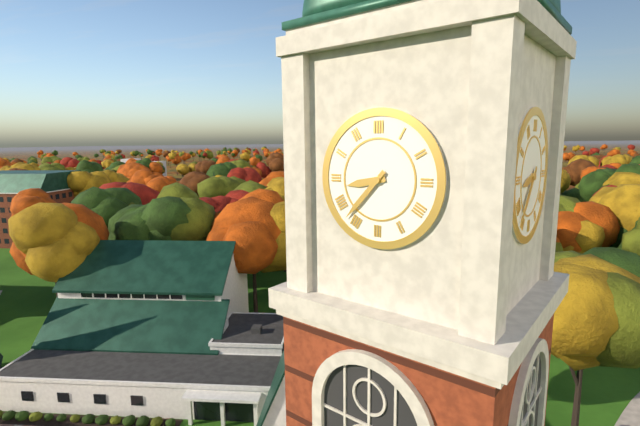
8:37
